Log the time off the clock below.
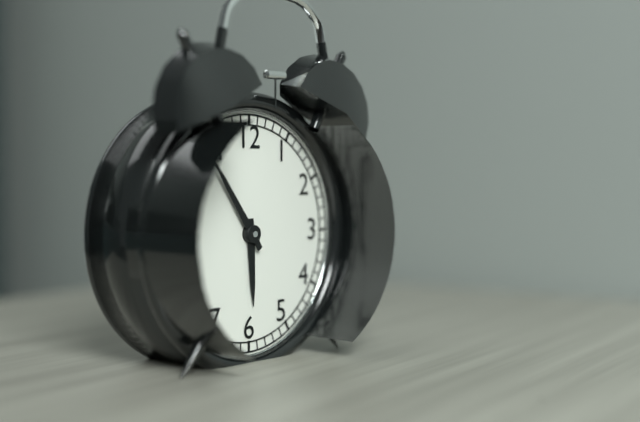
5:54
